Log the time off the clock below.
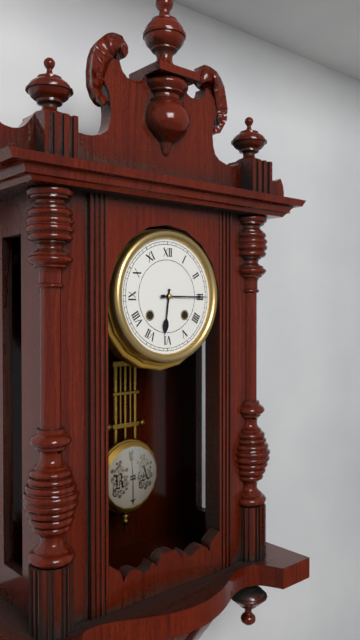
6:15
